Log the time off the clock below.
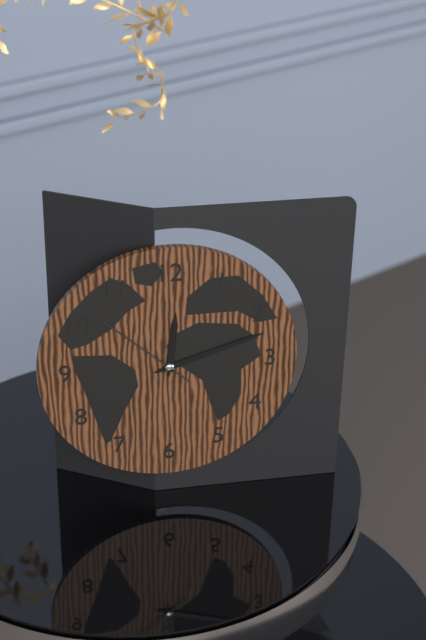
12:12:52
